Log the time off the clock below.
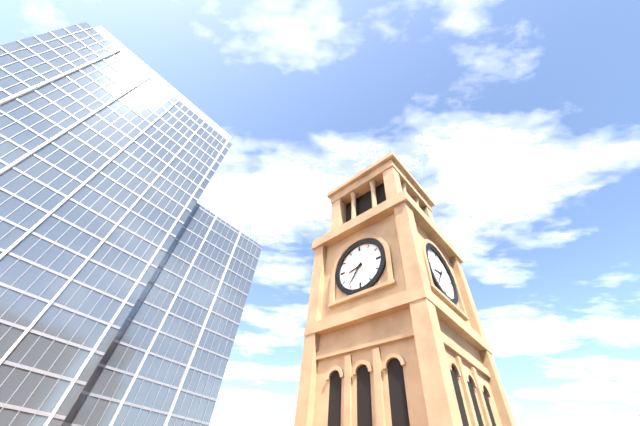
8:36
